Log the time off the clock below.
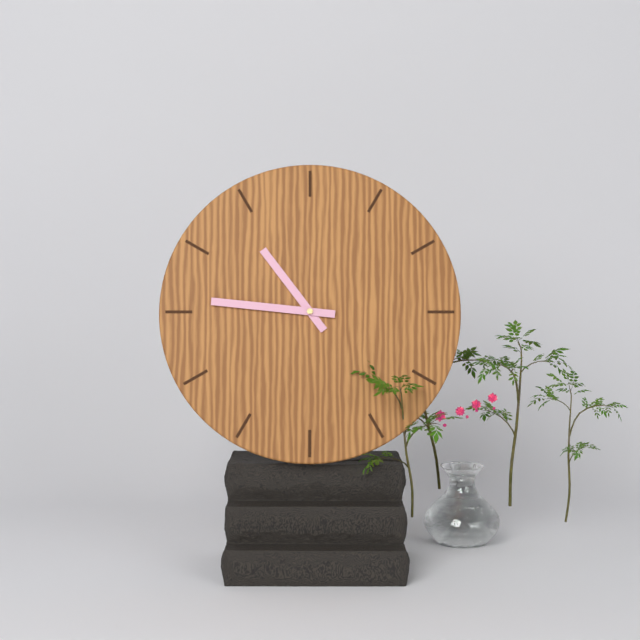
10:46
